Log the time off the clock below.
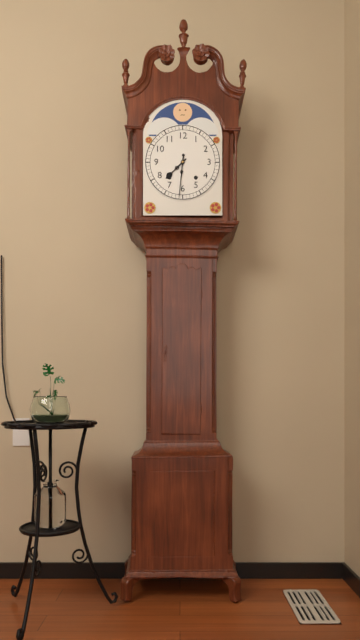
7:31
